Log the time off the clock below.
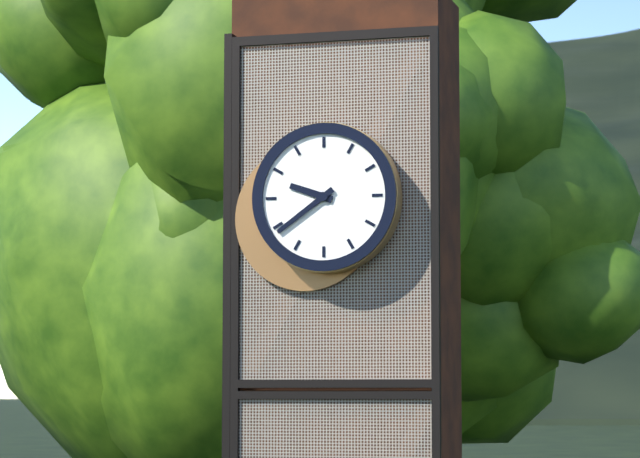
9:39
